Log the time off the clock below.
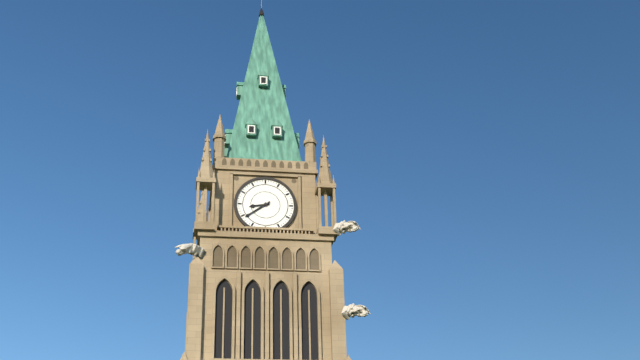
8:39
